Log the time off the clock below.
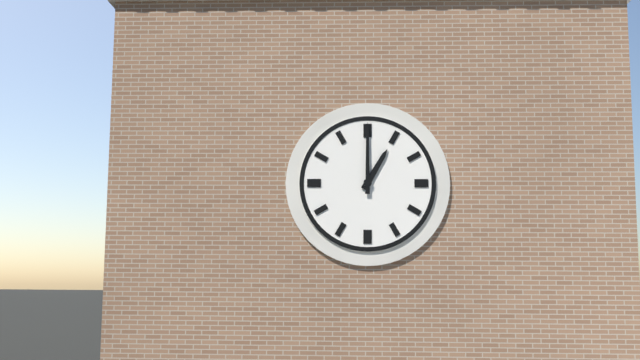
1:00
